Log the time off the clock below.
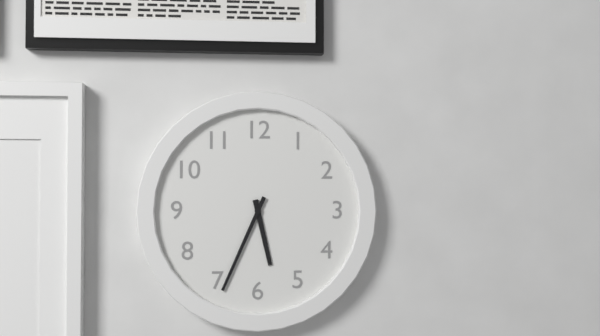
5:34
